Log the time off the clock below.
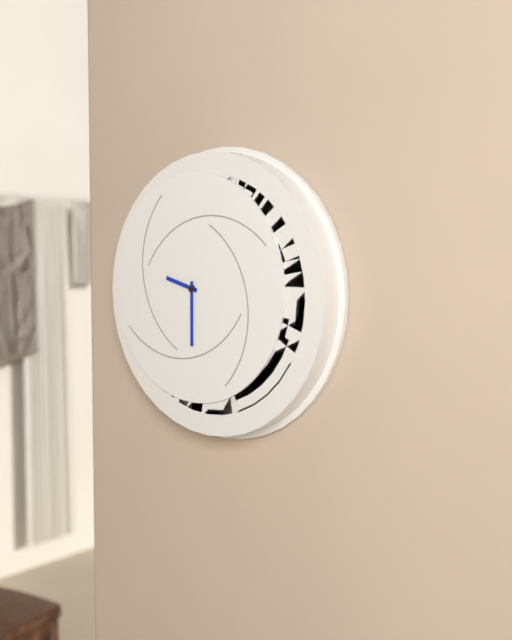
9:30
